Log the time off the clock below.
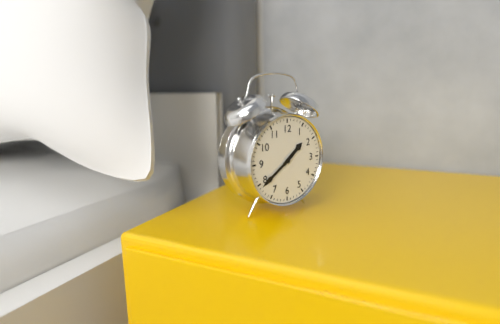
1:39
